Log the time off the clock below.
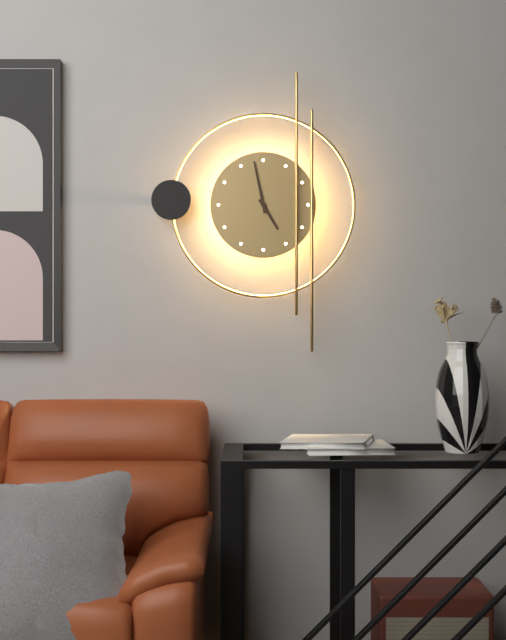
4:58
